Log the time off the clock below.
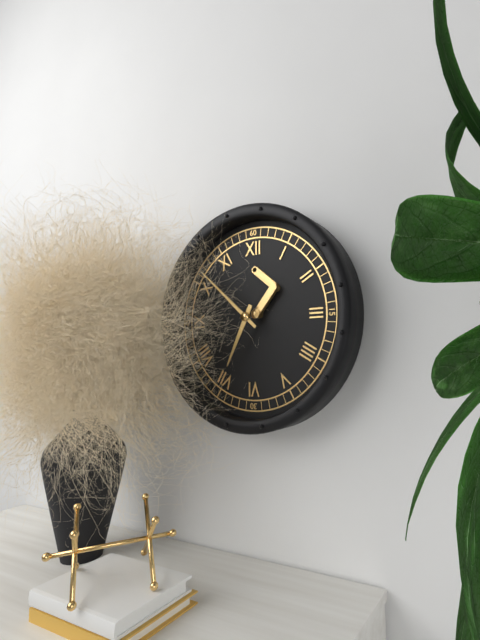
6:52
